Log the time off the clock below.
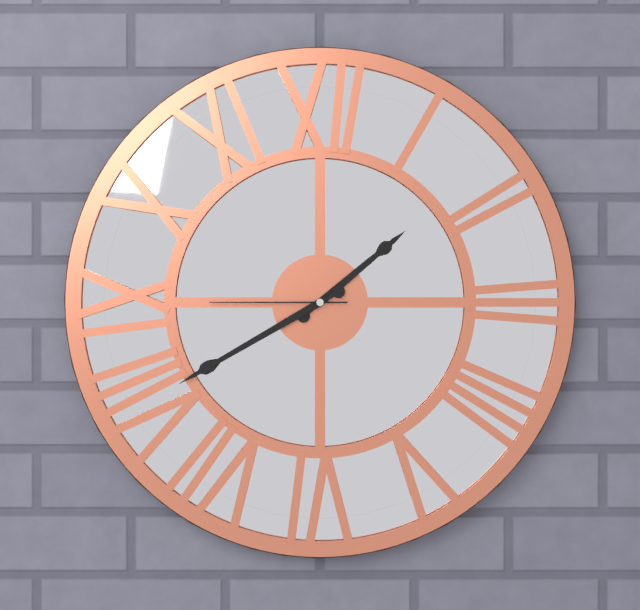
1:40:45
